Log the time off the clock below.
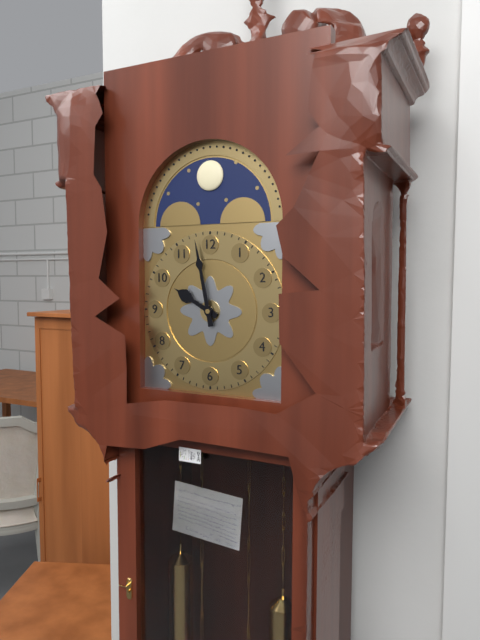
9:58
